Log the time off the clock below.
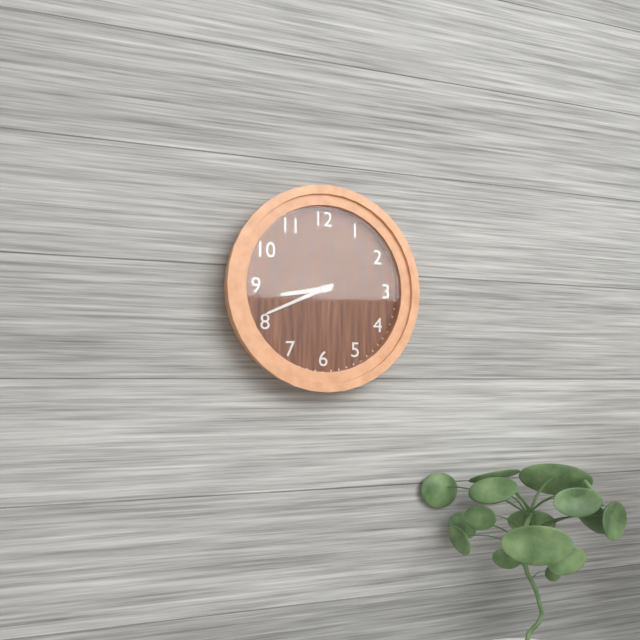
8:41
